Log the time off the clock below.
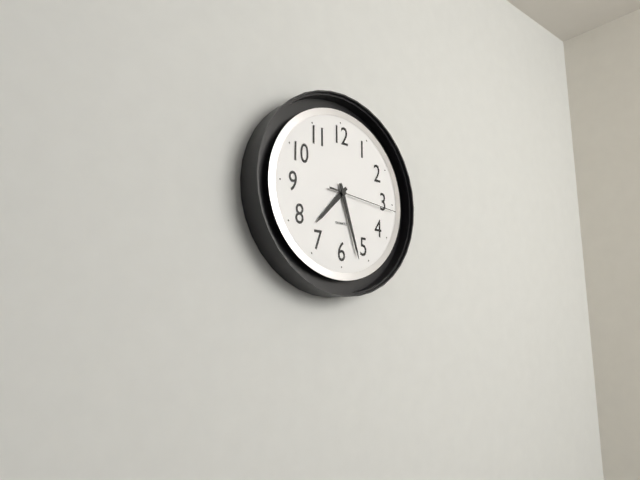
7:27:16
